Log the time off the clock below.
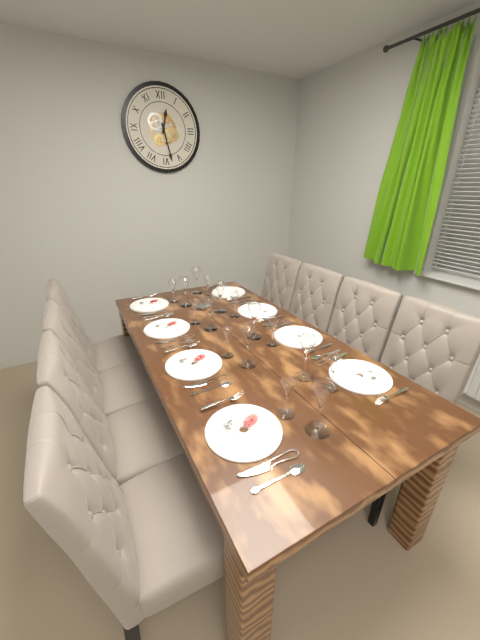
12:28
